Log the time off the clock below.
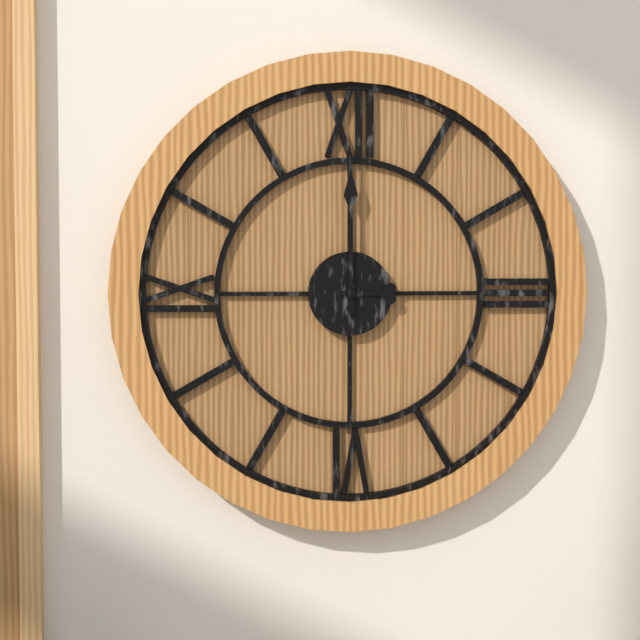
3:00
